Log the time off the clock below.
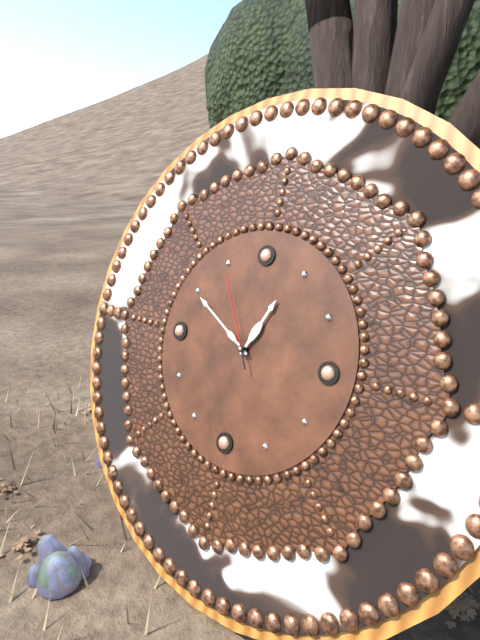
12:50:55
